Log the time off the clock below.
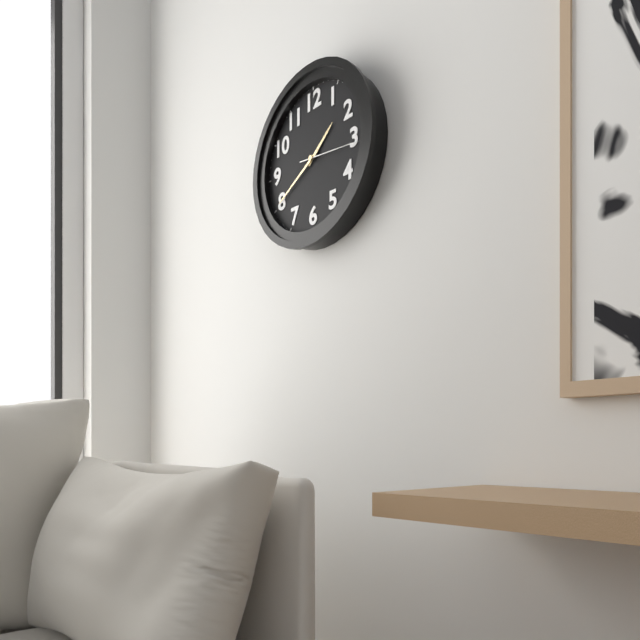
1:40:16
